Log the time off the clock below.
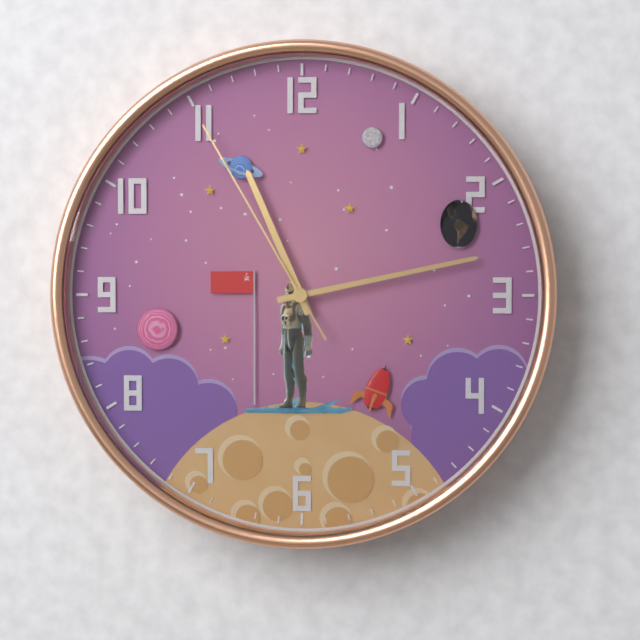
11:13:55
